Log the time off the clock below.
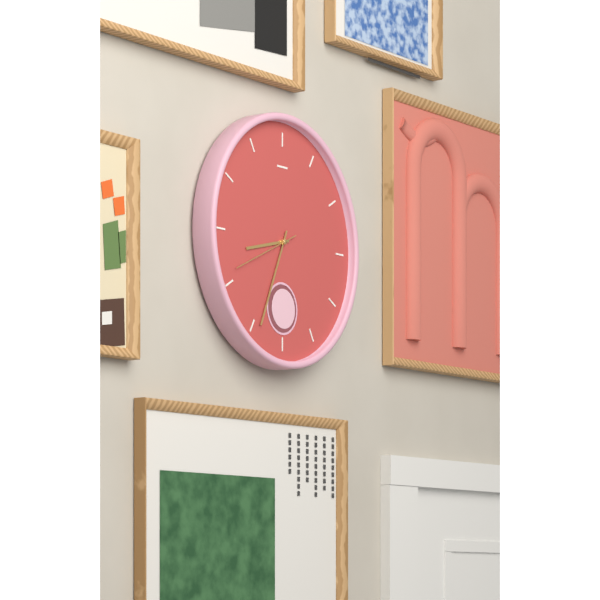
8:34:41
